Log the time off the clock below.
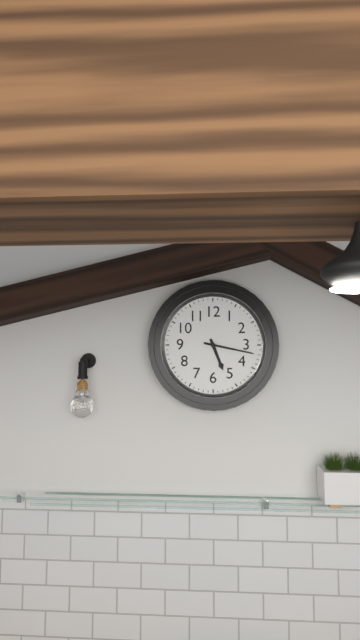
5:17
